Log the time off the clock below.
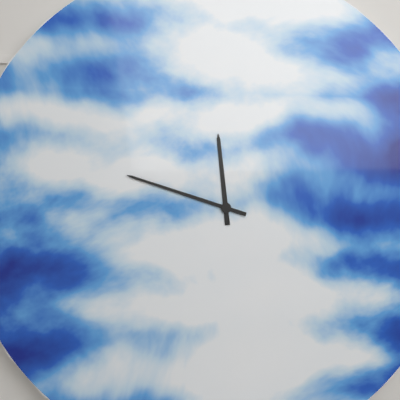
11:48
